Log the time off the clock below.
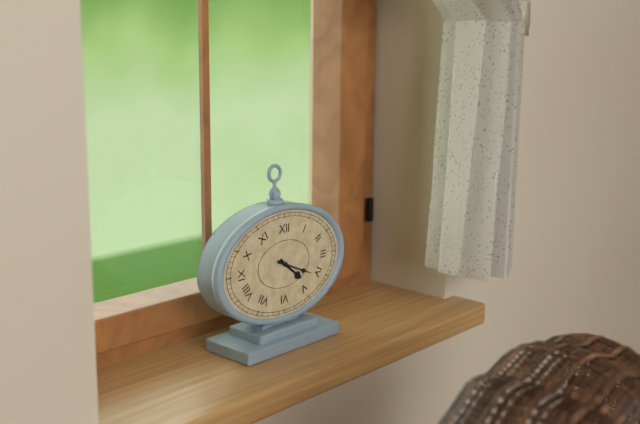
4:19
